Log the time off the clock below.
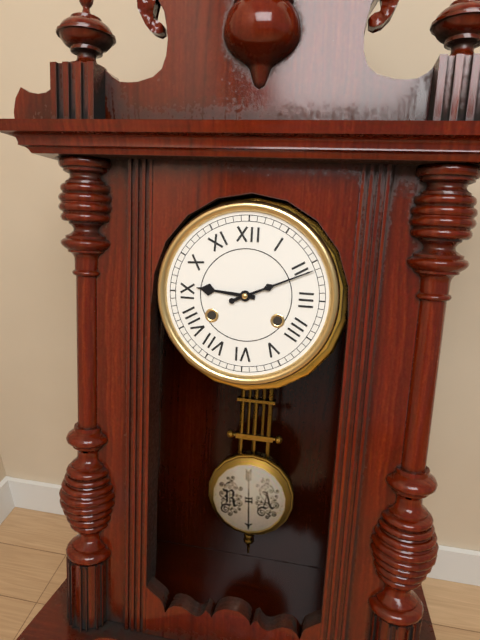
9:11
